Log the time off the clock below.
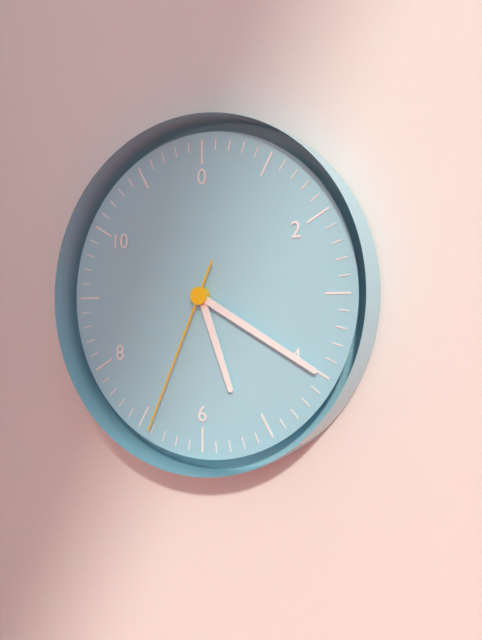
5:20:34
